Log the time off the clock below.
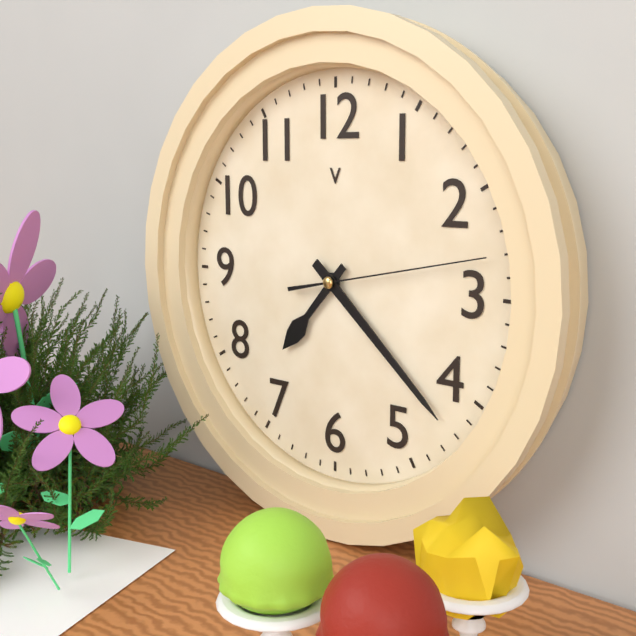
7:22:13
